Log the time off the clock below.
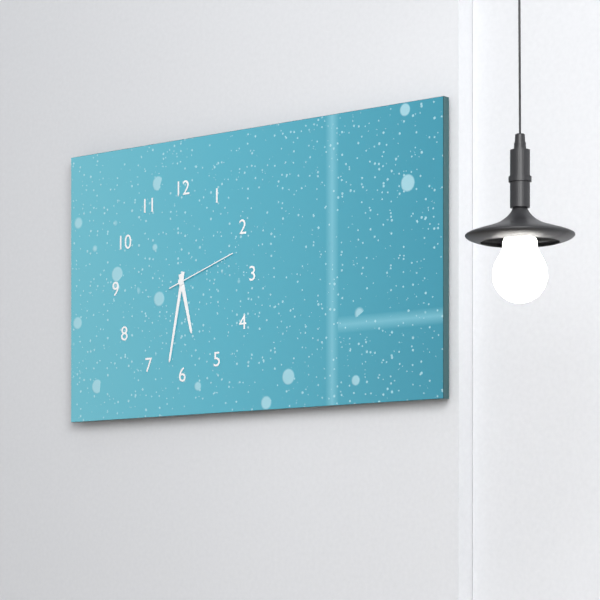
5:32:12
